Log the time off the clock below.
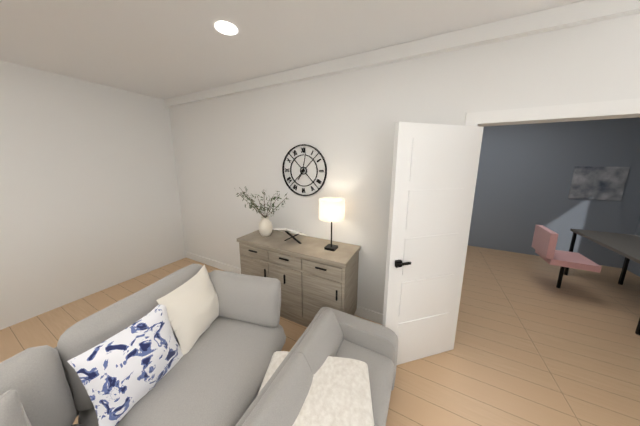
7:02
